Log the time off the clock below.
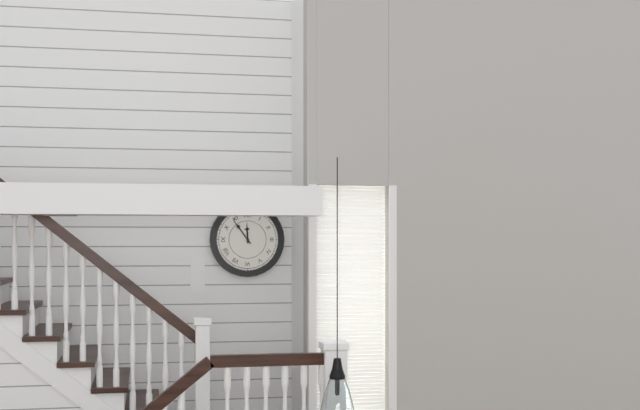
11:54
